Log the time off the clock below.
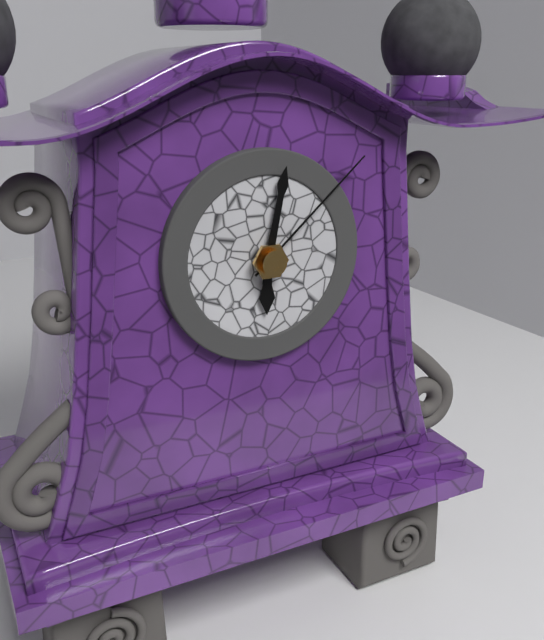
6:02:08
